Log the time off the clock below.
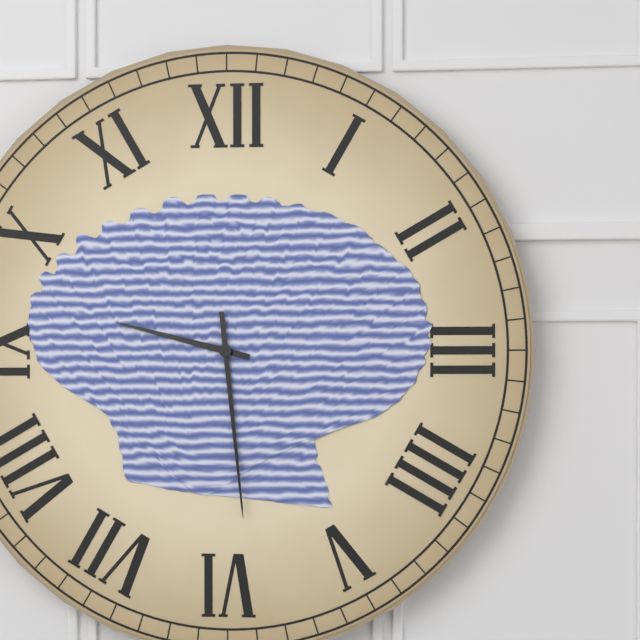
9:29
